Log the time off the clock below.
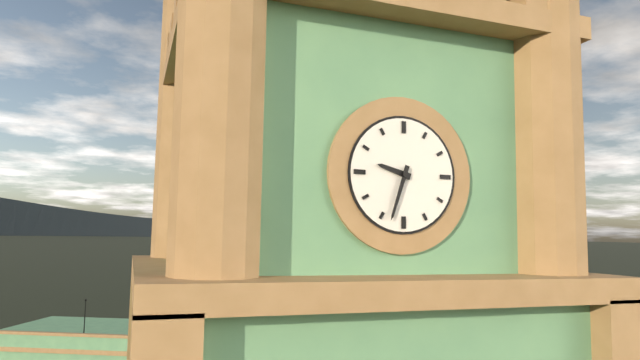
9:33
